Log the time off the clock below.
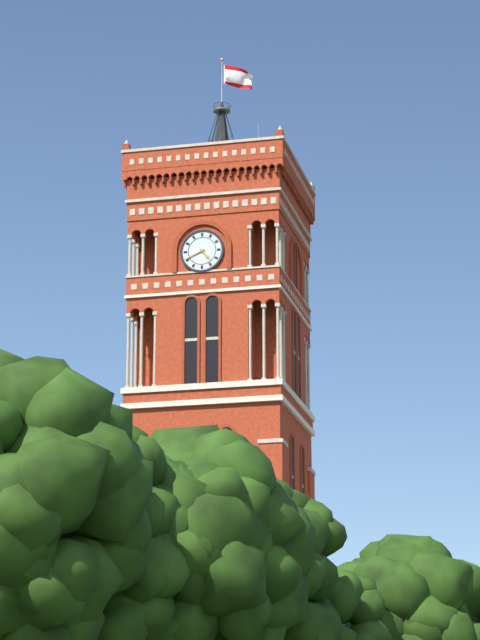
4:41
